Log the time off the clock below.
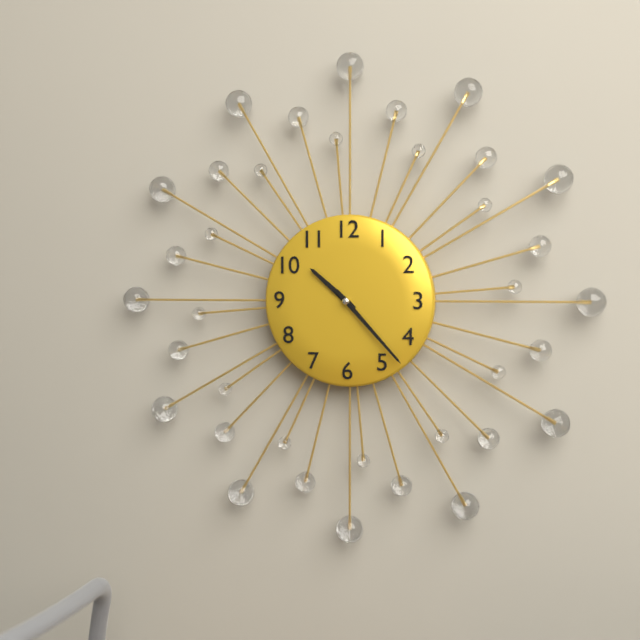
10:23
